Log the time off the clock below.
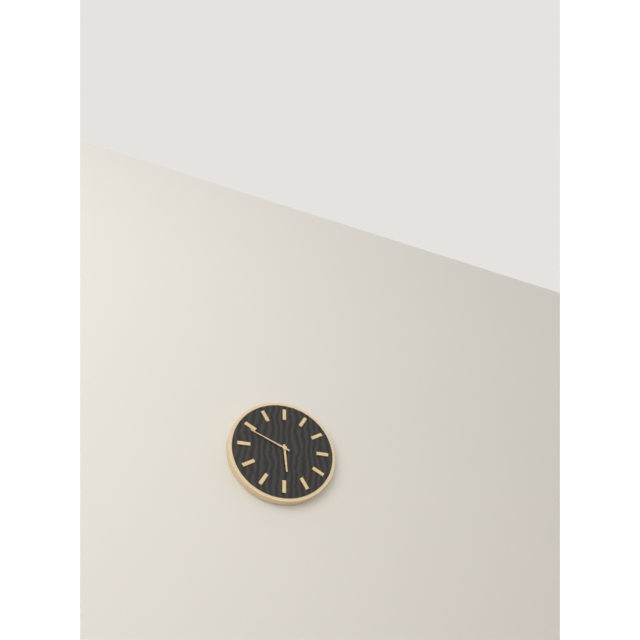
5:49
